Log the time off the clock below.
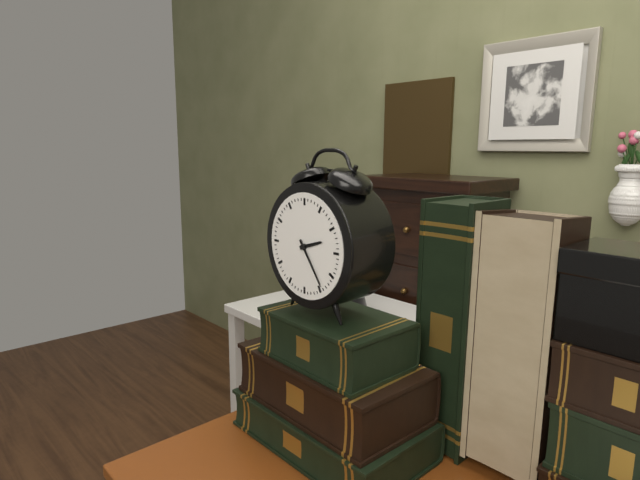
2:24
